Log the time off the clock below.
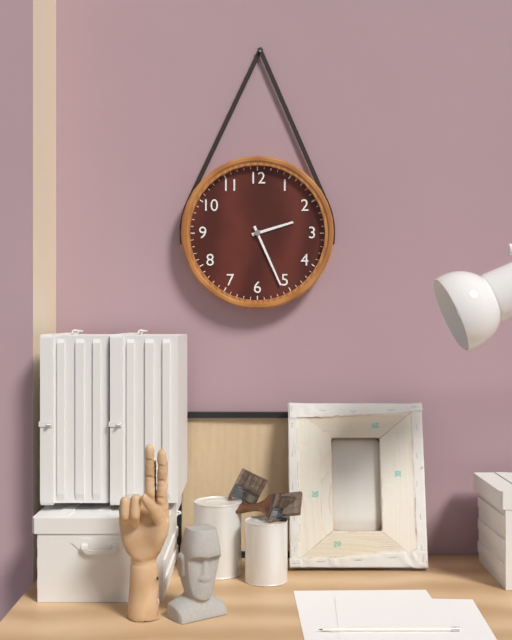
2:26
